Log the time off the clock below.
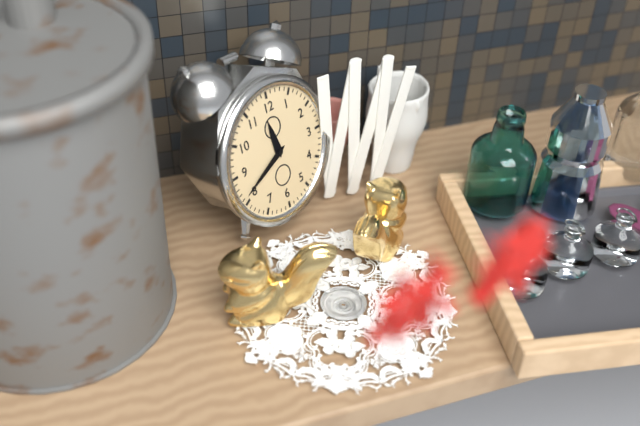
11:41
